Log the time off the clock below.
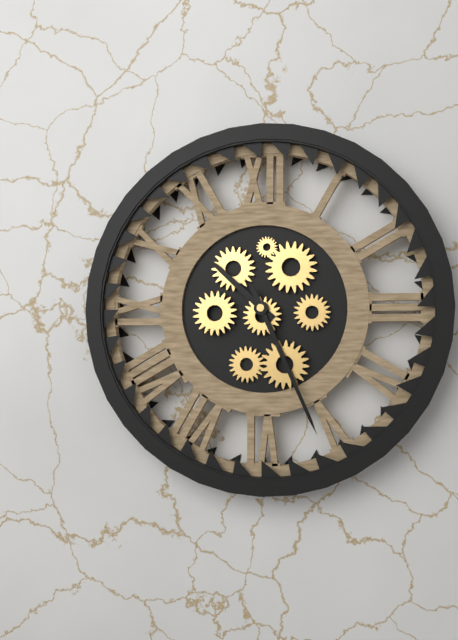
10:26
